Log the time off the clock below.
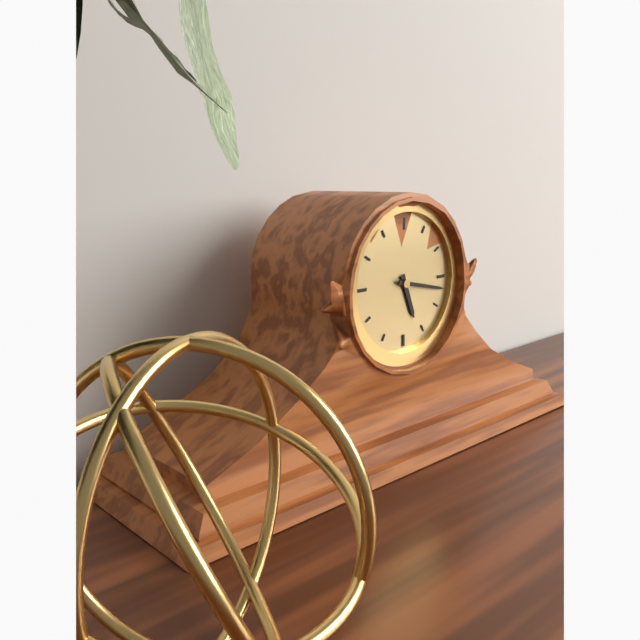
5:17
